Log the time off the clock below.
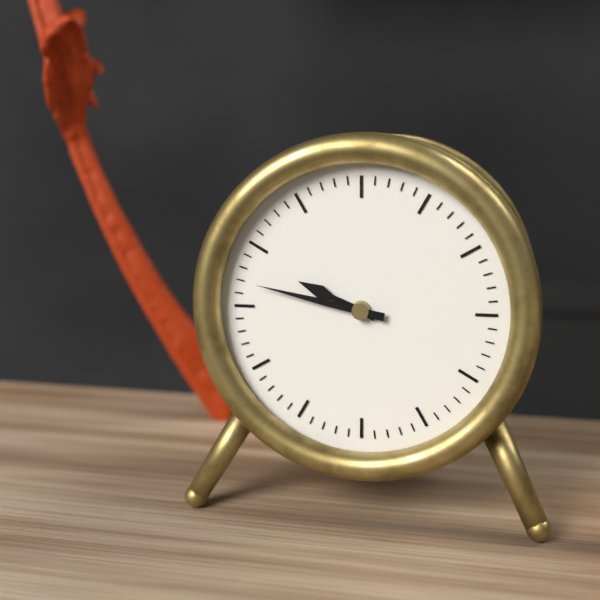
9:47
